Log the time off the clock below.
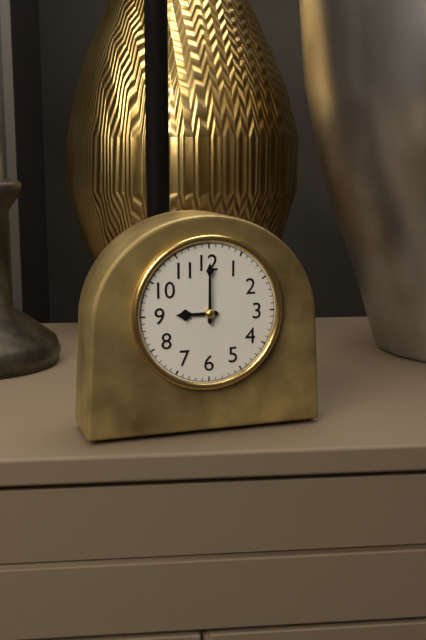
9:00
